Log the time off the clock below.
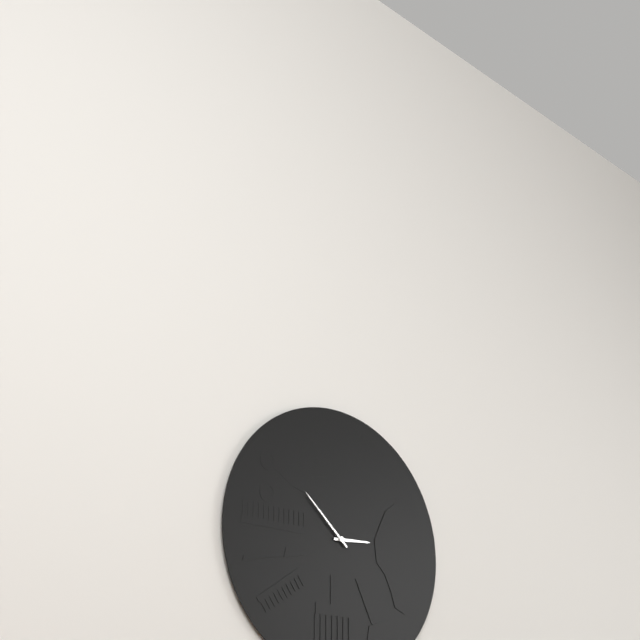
2:52
